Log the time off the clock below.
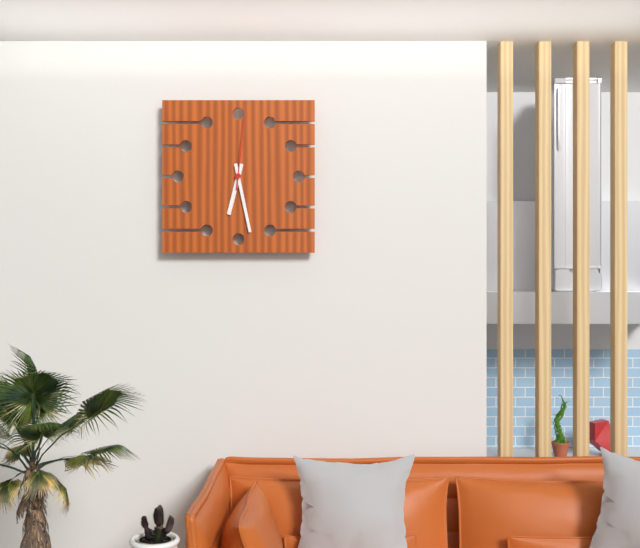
6:28:01
